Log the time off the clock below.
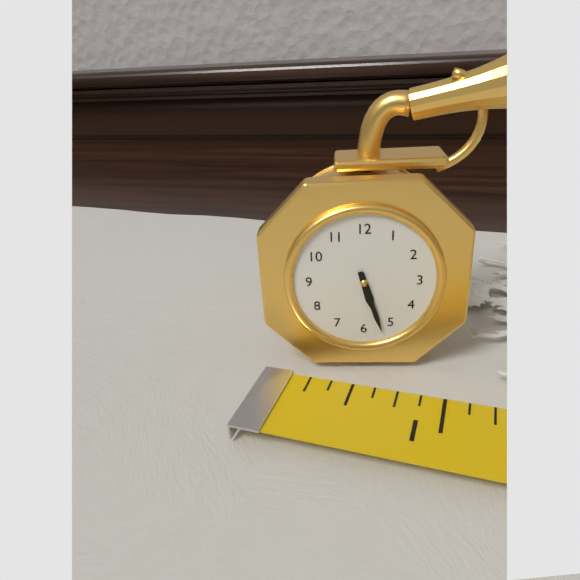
5:27
